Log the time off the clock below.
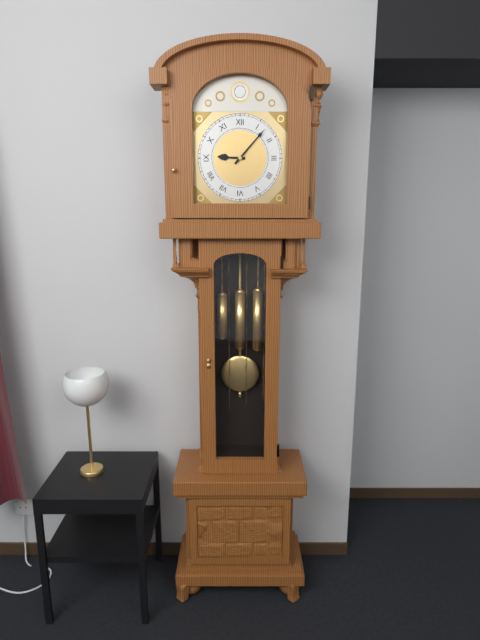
9:07
